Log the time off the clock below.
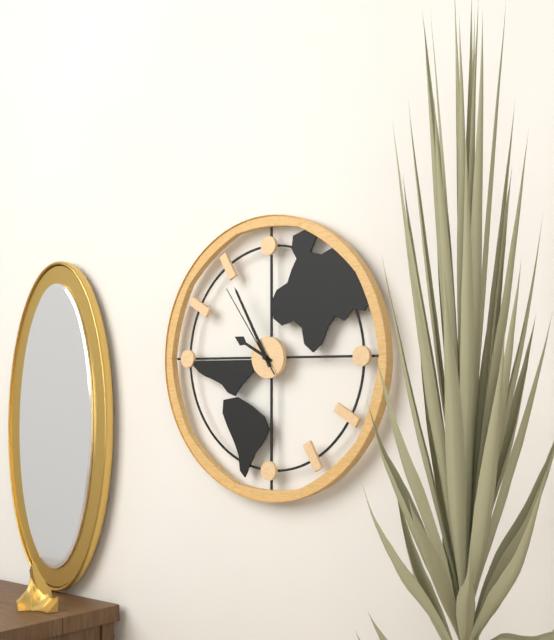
9:55:54
